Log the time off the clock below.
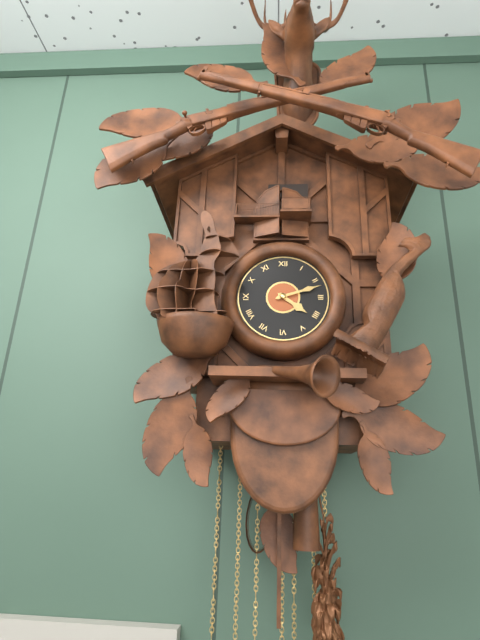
4:12
